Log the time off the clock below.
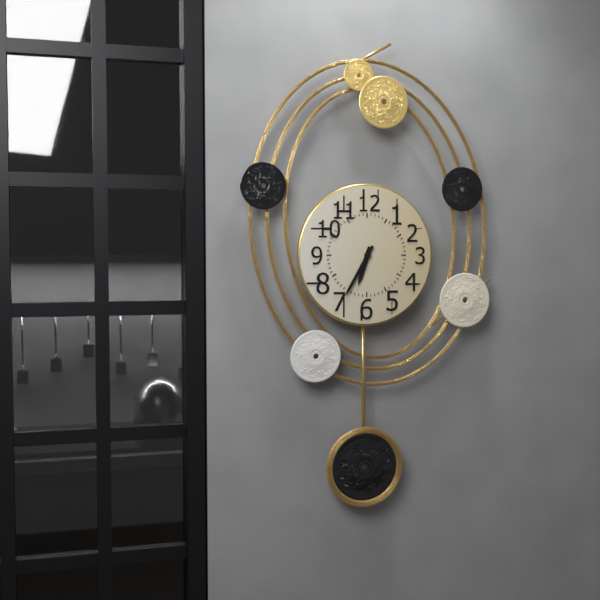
6:35
